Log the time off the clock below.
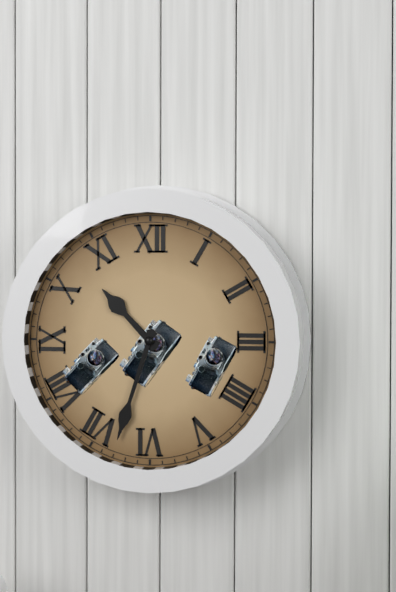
10:33
